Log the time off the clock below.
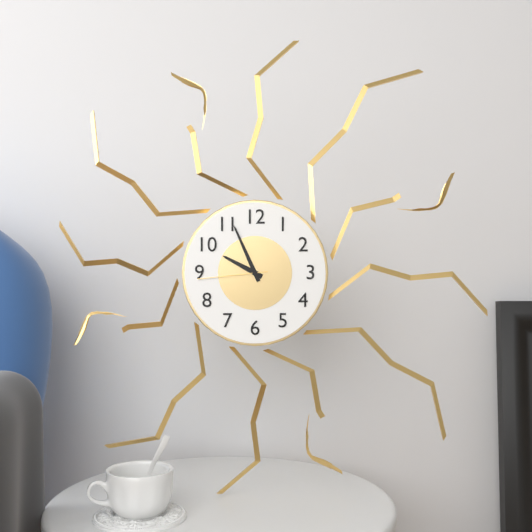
9:56:44
